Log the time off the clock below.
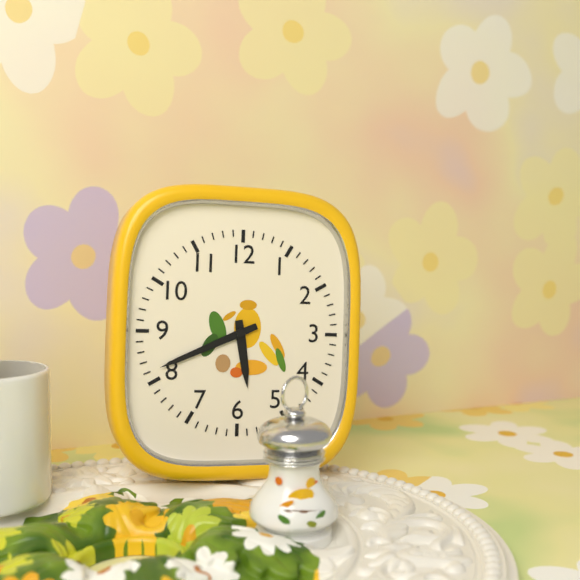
5:41
